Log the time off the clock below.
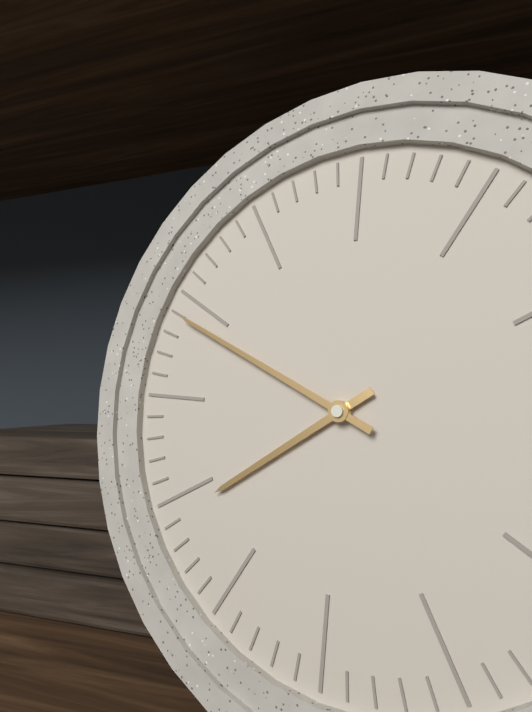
7:49
